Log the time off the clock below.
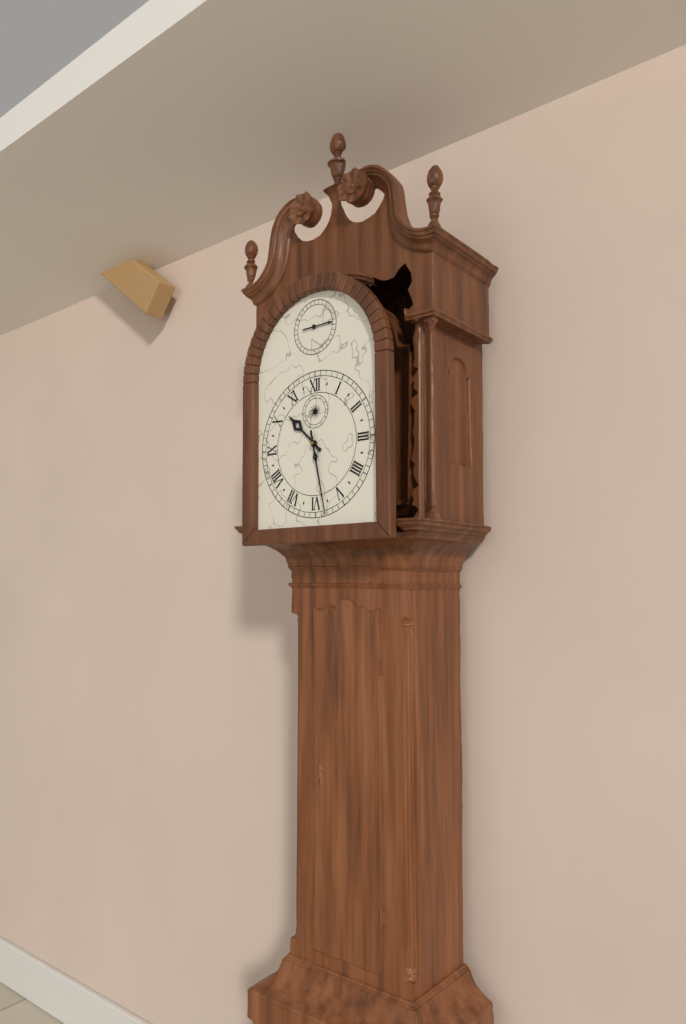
10:28
